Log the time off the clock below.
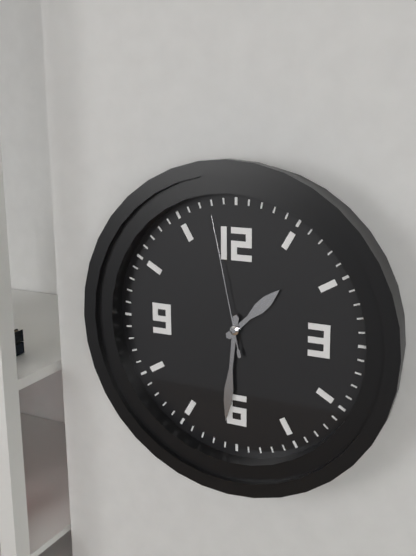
1:31:58
